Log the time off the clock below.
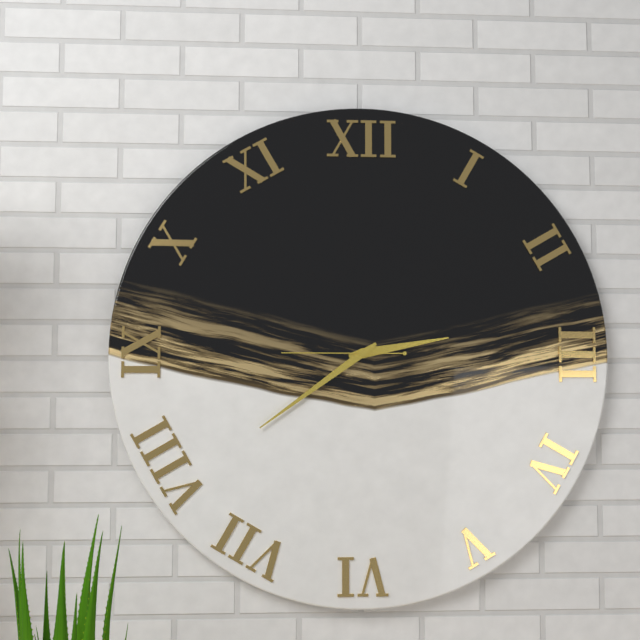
2:39:45
